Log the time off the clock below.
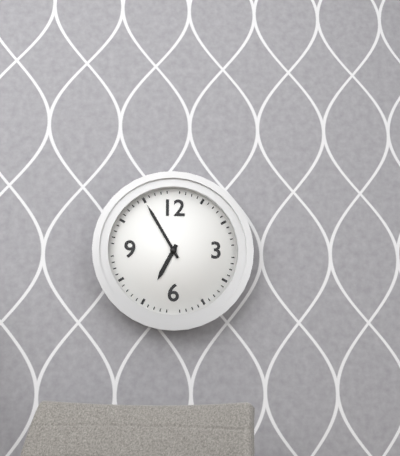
6:55
